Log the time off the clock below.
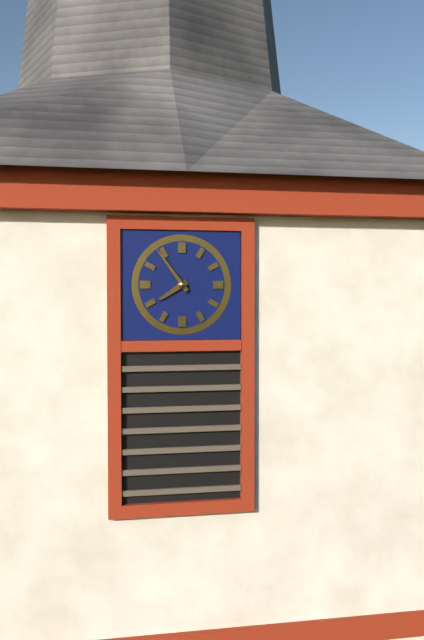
7:54
